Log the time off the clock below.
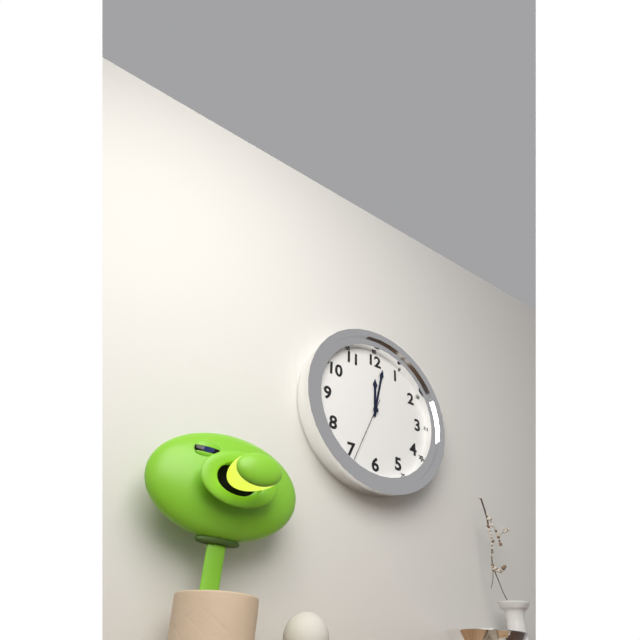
12:02:34
